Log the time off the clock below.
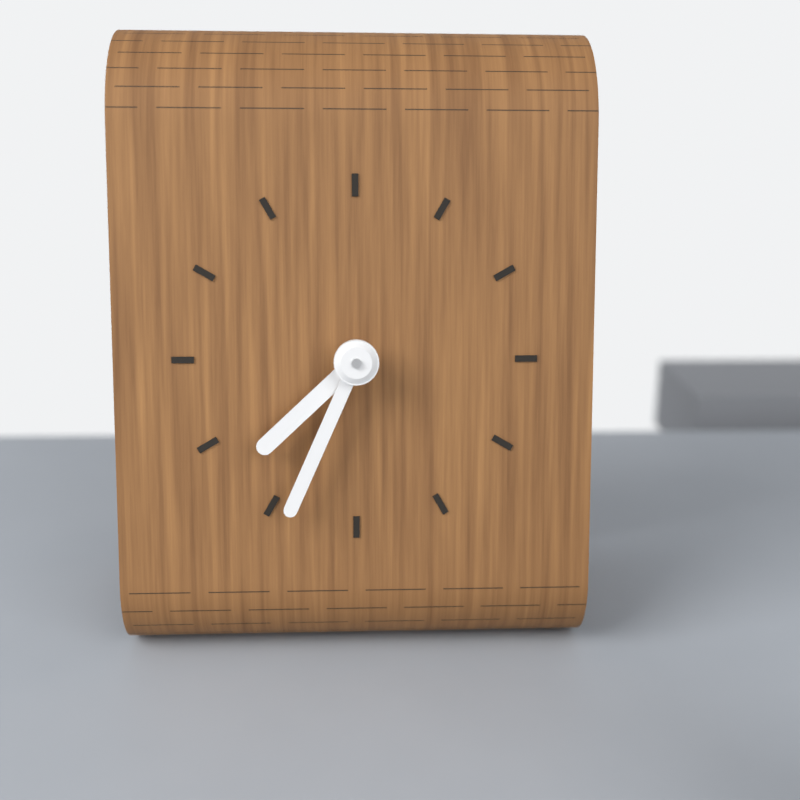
7:34
